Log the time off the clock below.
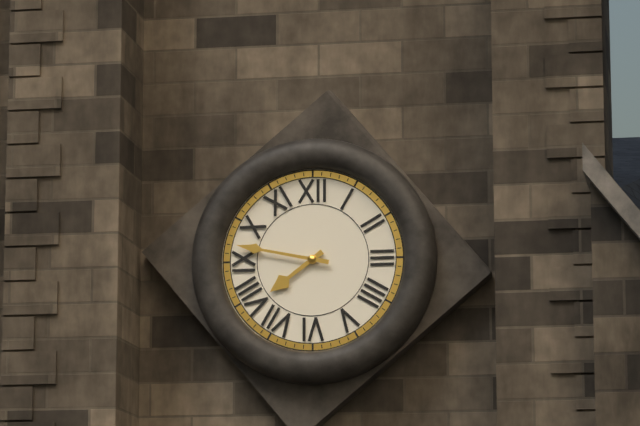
7:47
